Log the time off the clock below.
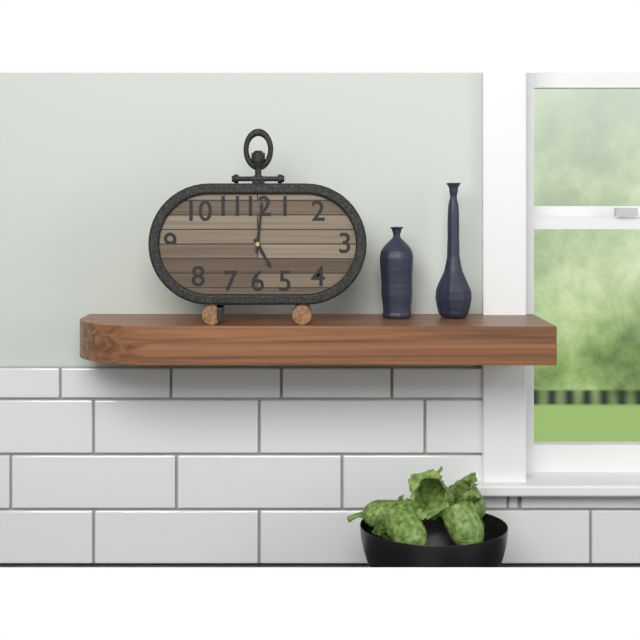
5:01
